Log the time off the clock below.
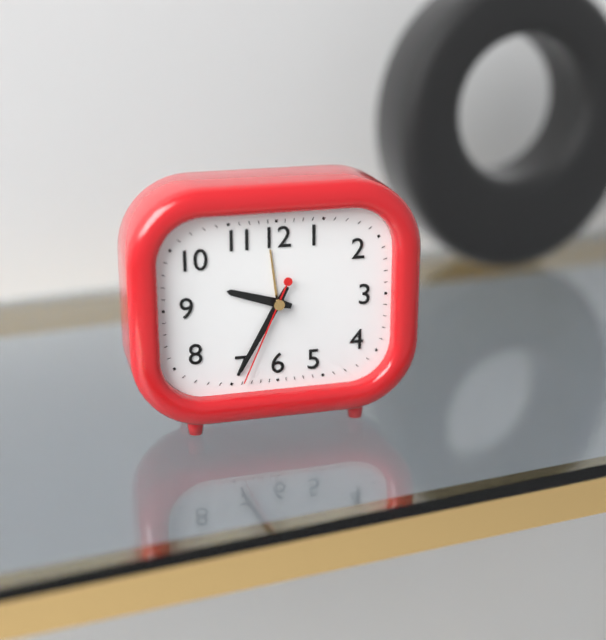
9:35:34
